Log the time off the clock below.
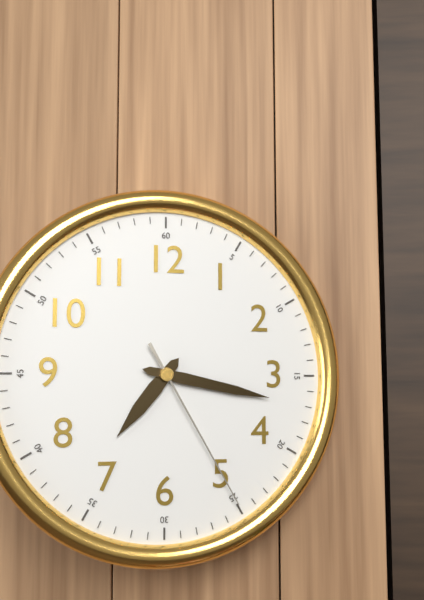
7:17:25
